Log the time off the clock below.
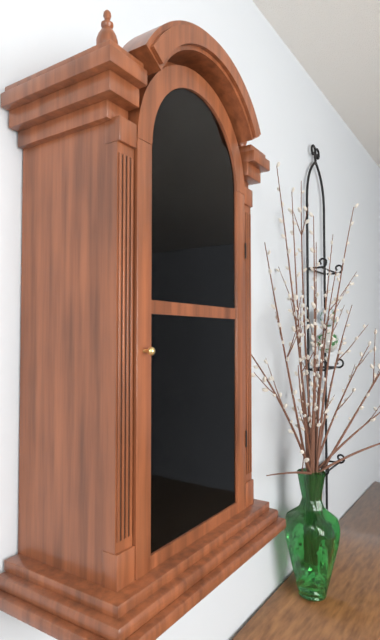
12:49
